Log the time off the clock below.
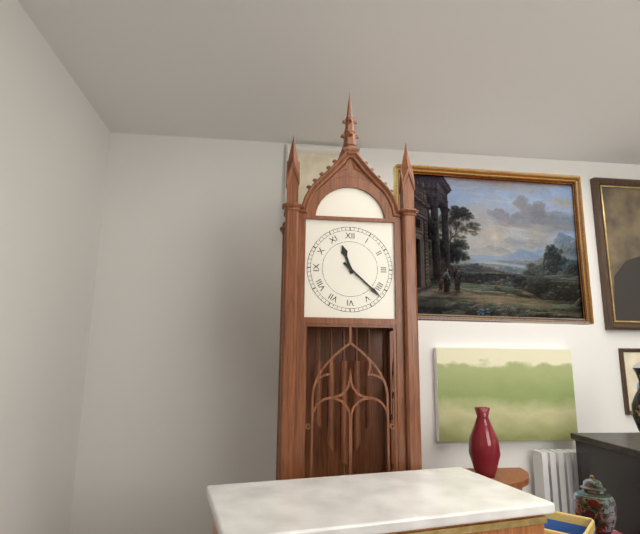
11:22
